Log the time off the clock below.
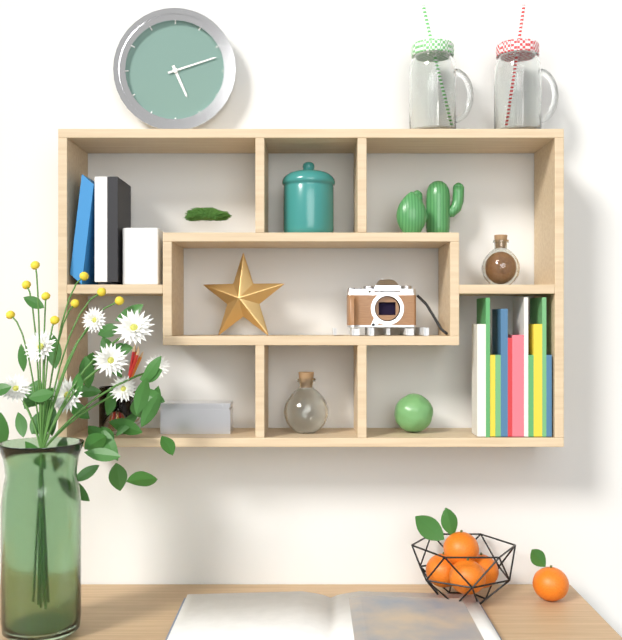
5:12
